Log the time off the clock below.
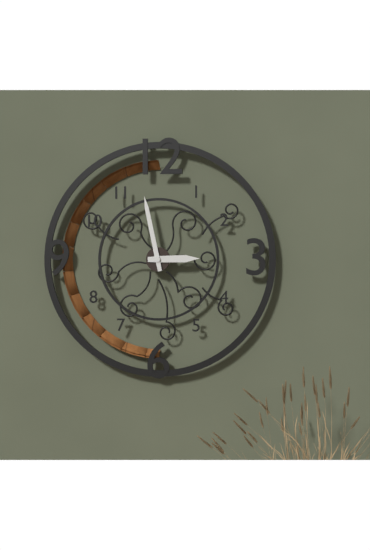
2:58
